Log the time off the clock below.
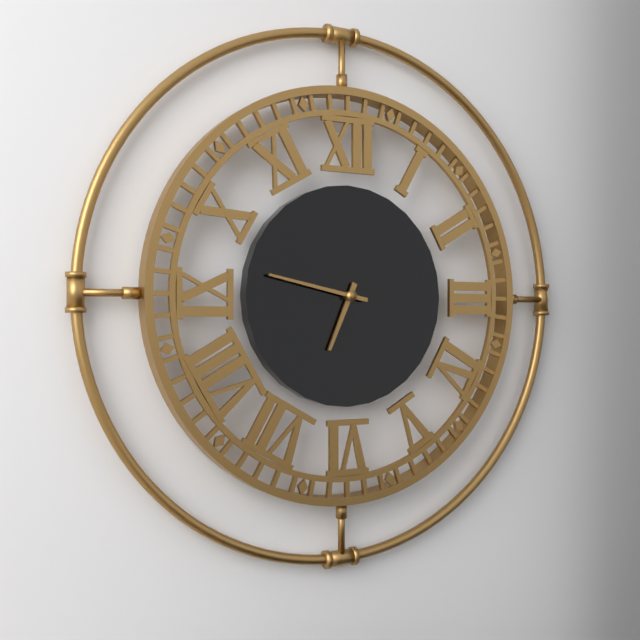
6:47
